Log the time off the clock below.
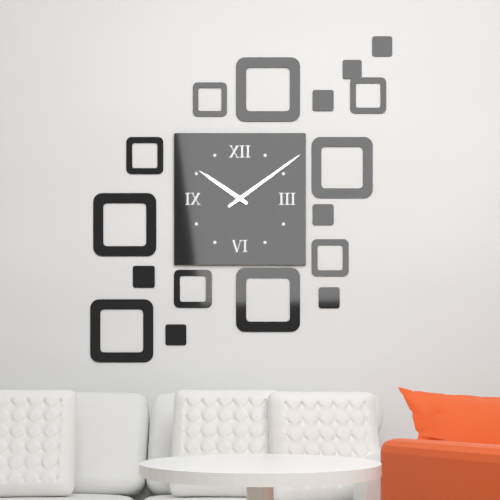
10:09
